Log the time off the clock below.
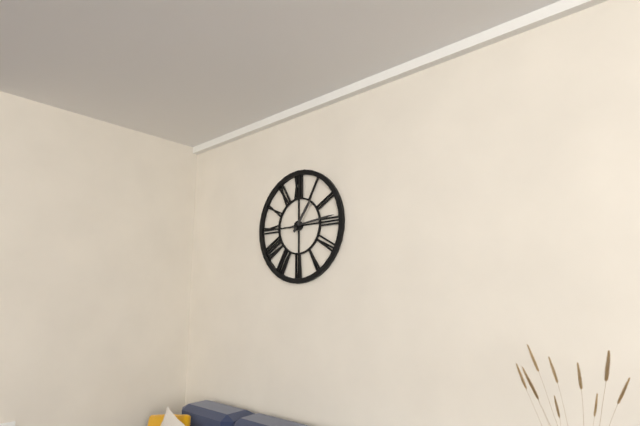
1:14
